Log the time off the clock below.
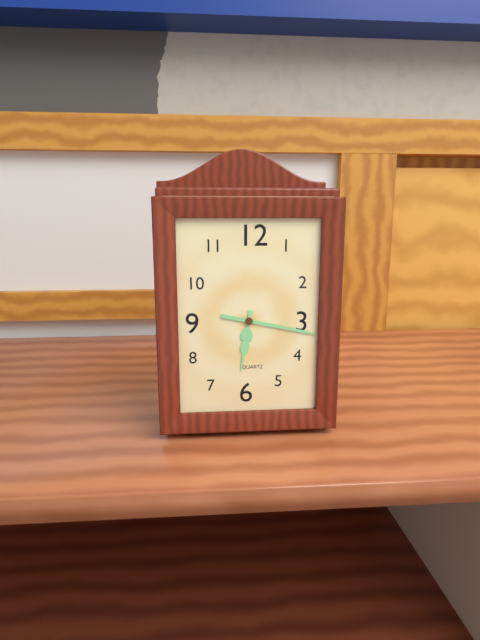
6:17
